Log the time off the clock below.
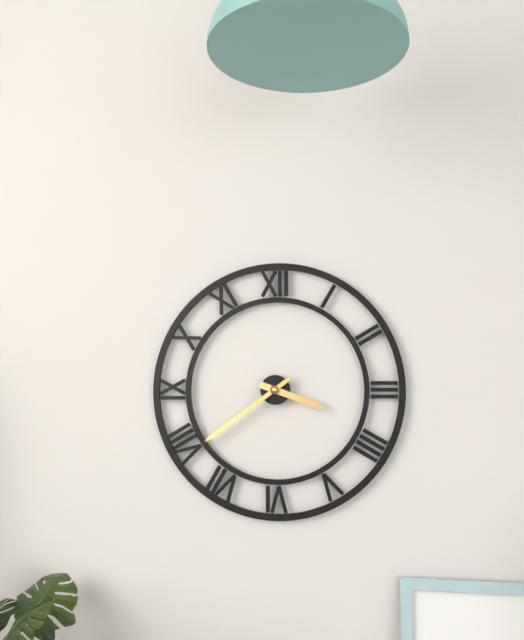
3:39
